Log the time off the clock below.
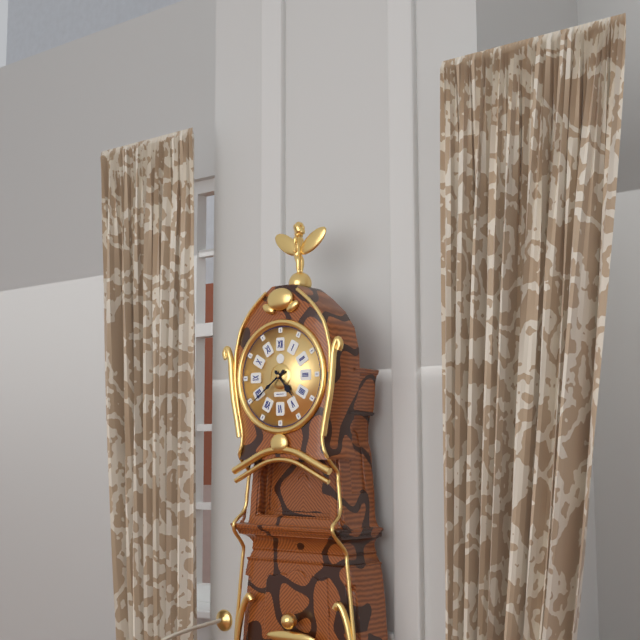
4:39
